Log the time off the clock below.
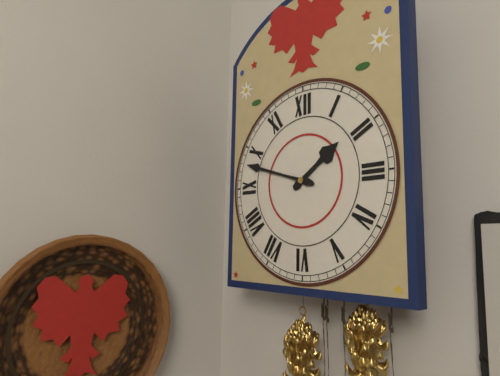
1:48
